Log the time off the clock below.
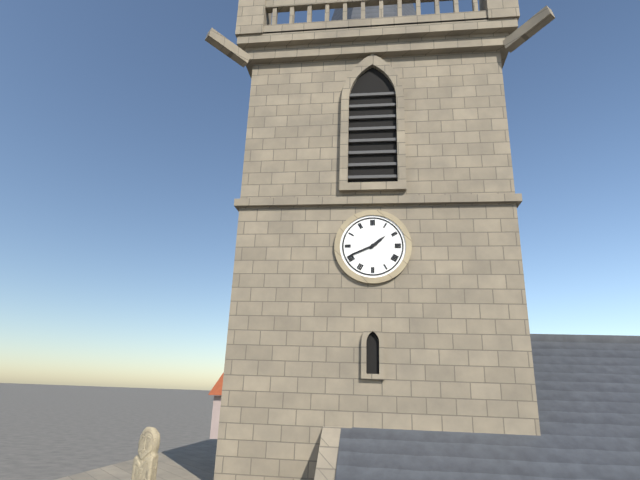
1:41
